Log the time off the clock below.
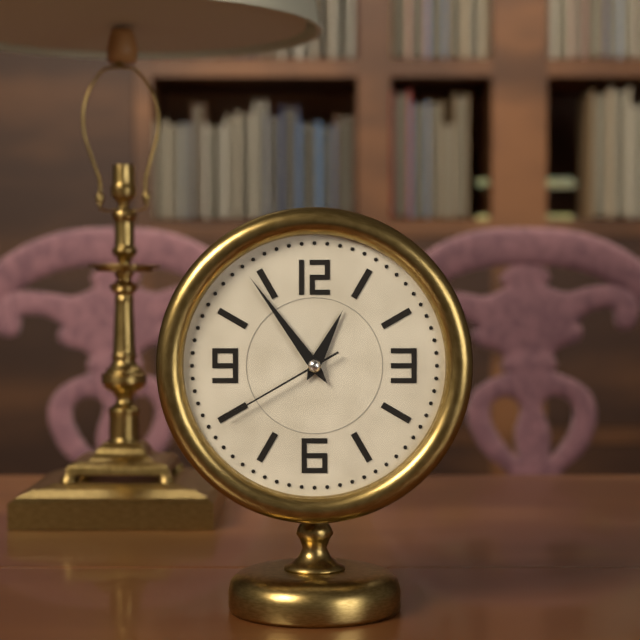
12:54:40
